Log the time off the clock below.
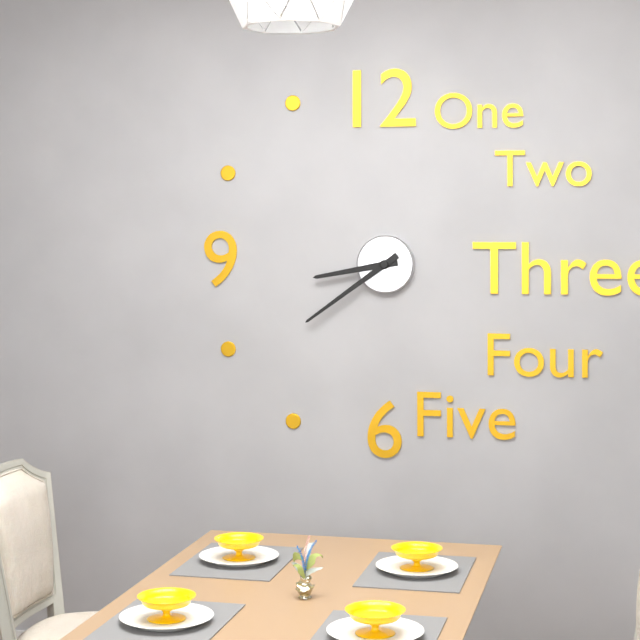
8:39
